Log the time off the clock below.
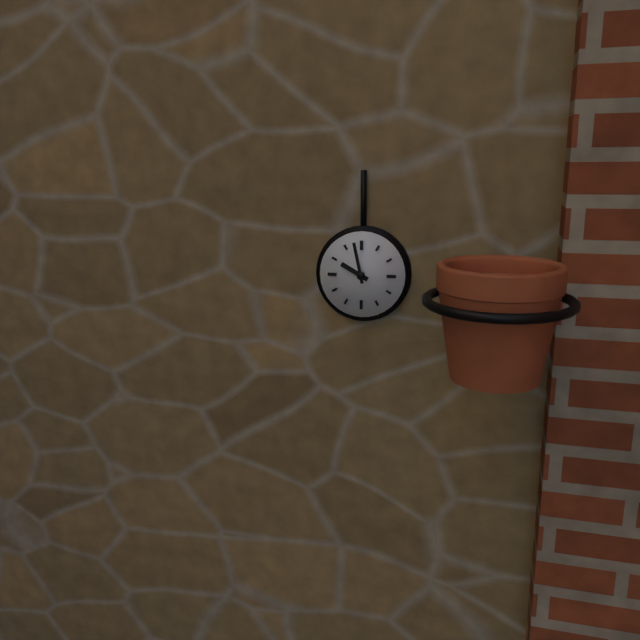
9:58
